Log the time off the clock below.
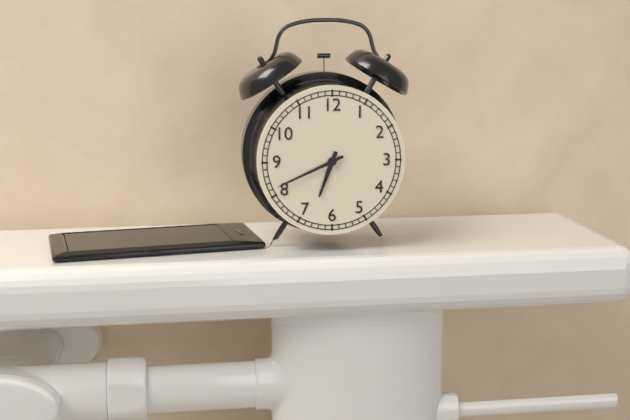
6:41
